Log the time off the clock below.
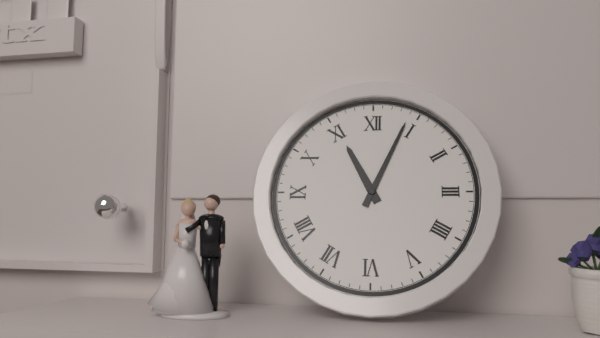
11:04
